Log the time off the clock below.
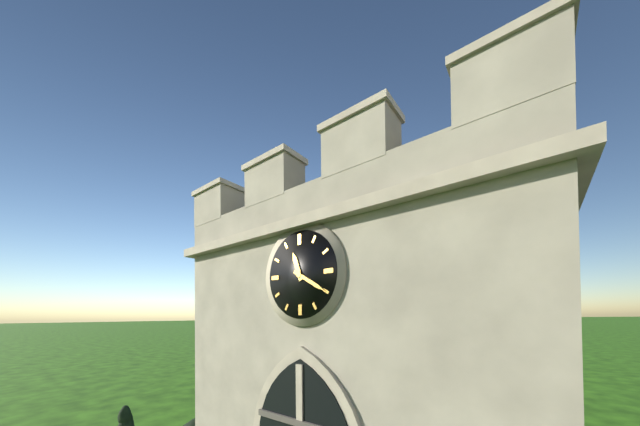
11:20
